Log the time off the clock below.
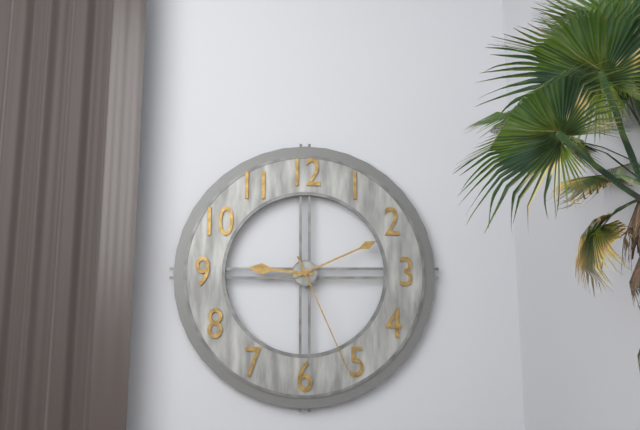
9:11:26
